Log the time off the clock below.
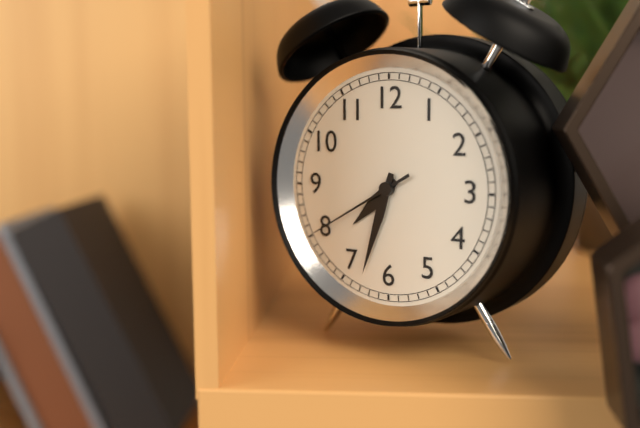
7:33:40
